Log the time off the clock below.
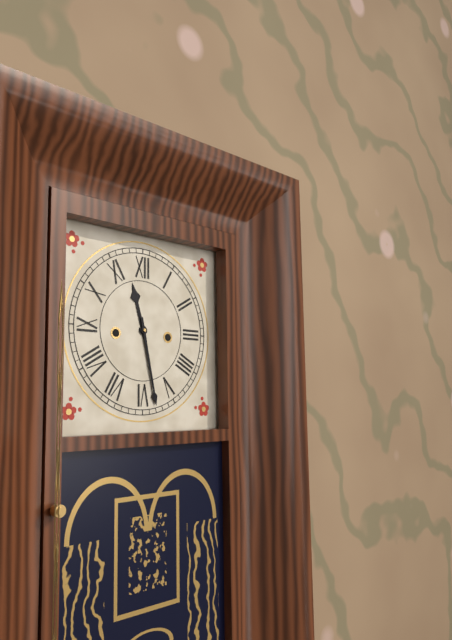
11:28
